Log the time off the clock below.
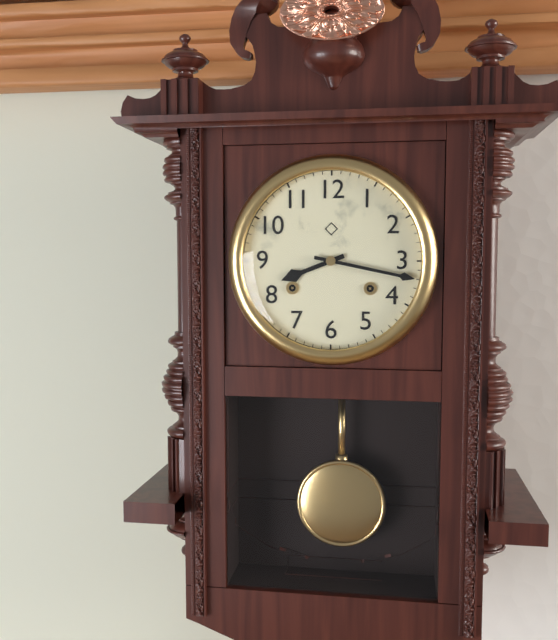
8:17
